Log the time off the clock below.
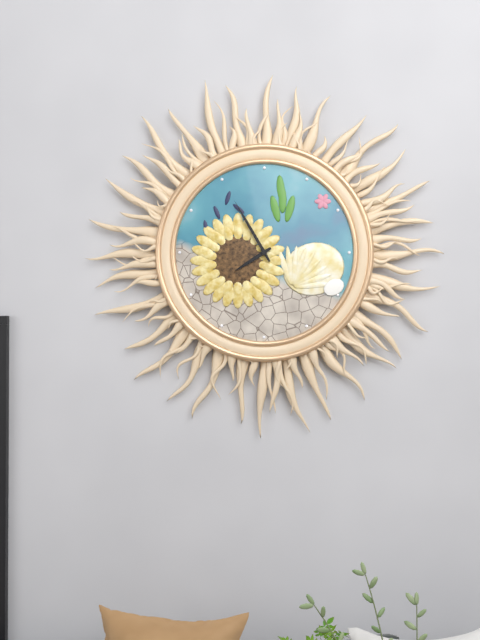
7:55
